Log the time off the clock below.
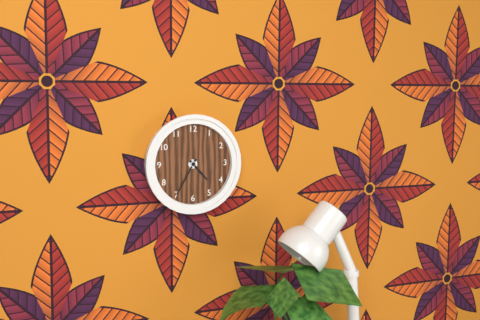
4:35
